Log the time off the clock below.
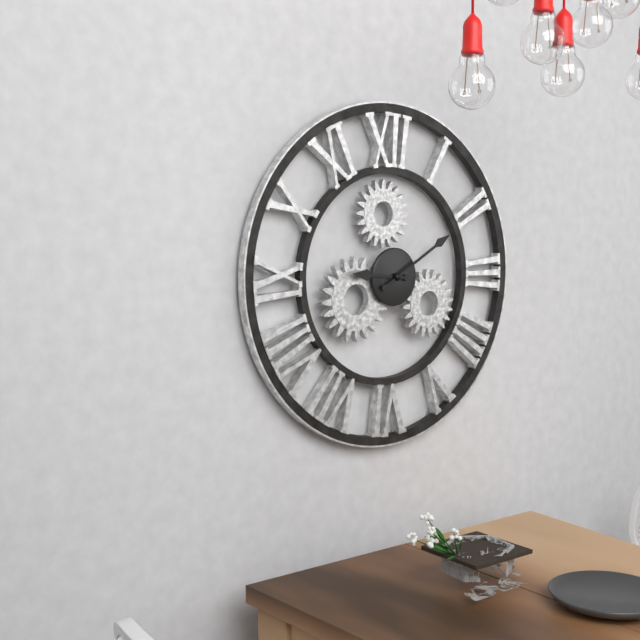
9:10
